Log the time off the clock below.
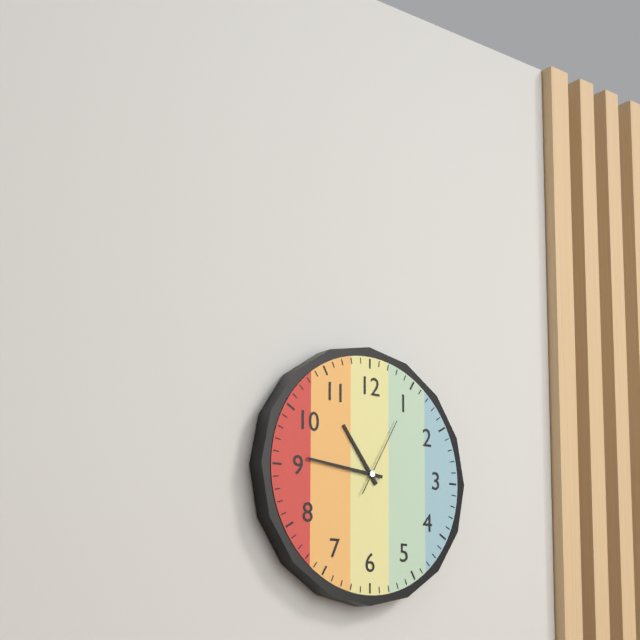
10:46:05
